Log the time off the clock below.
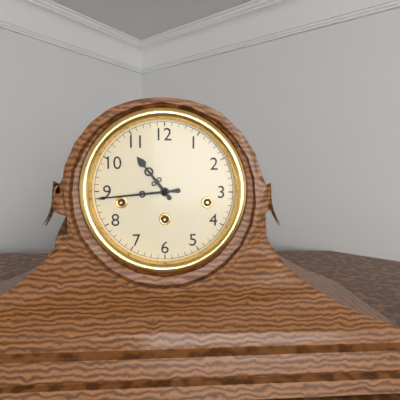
10:44
